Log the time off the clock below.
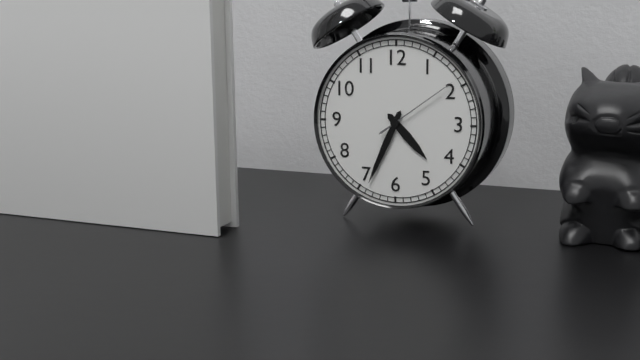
4:34:09
